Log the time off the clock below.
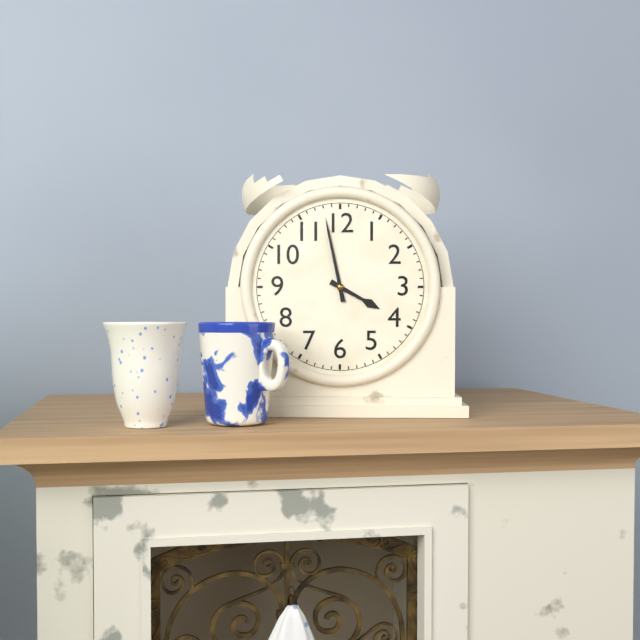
3:58
